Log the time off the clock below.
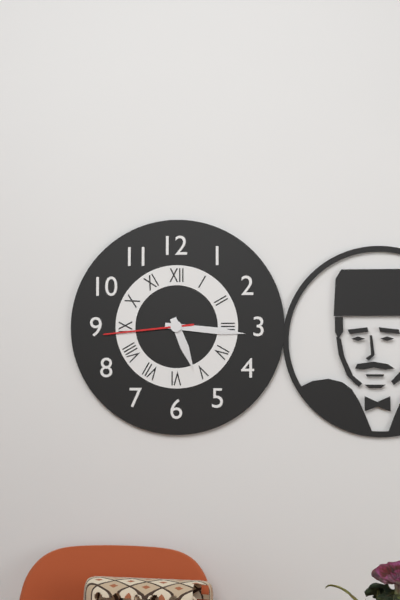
5:16:44
